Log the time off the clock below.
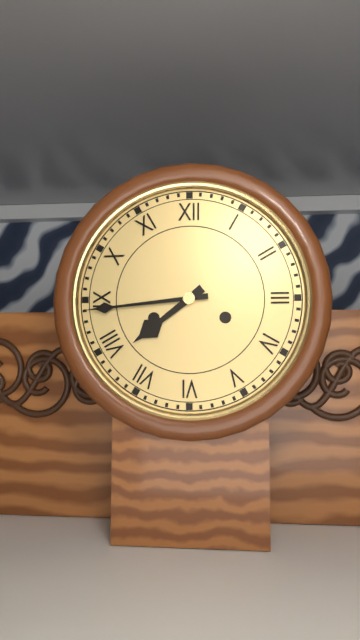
7:44
